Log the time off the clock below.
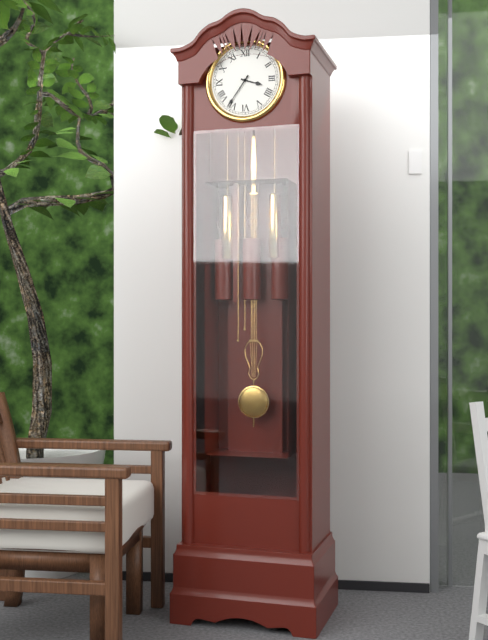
3:36
